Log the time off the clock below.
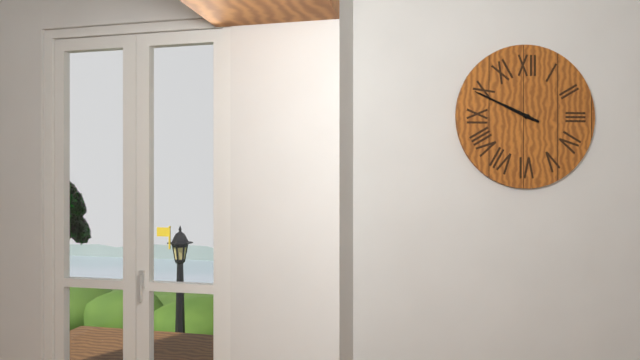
9:49
